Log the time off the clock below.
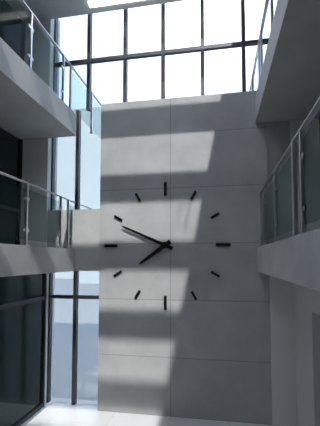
7:49
